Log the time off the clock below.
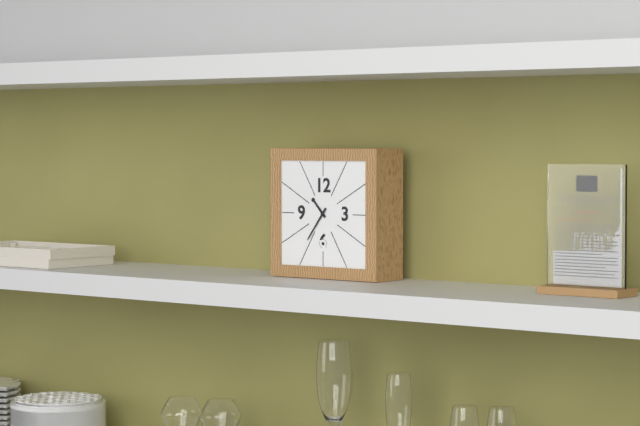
10:36
